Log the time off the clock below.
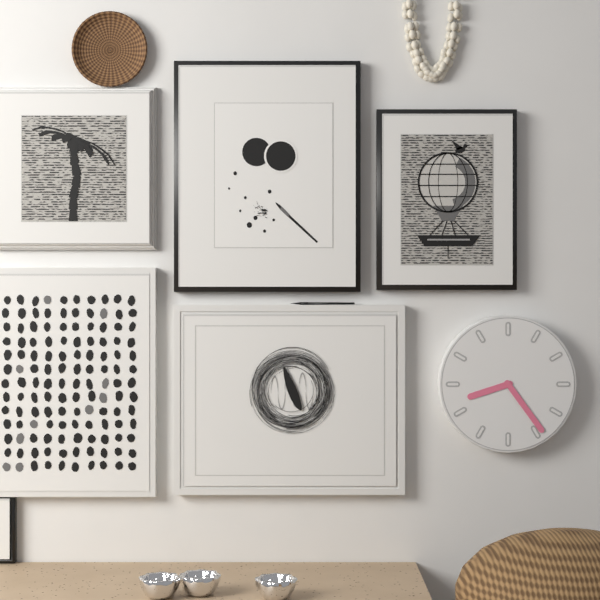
8:24
